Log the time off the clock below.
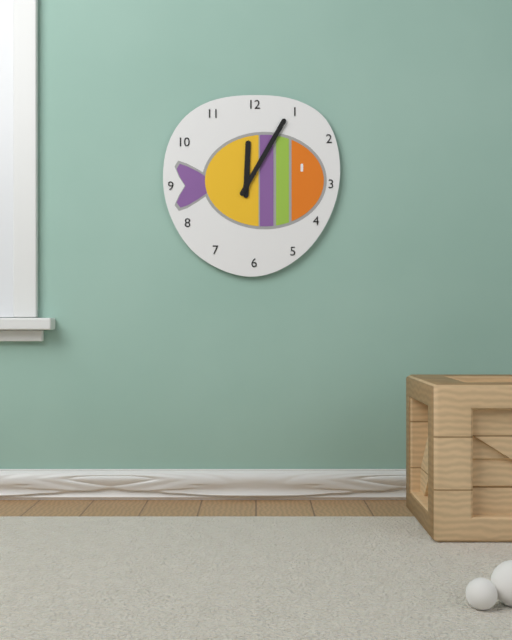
12:05
